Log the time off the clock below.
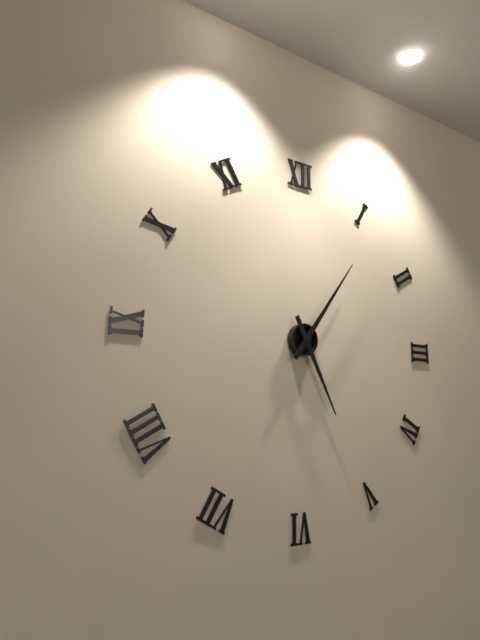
5:06
